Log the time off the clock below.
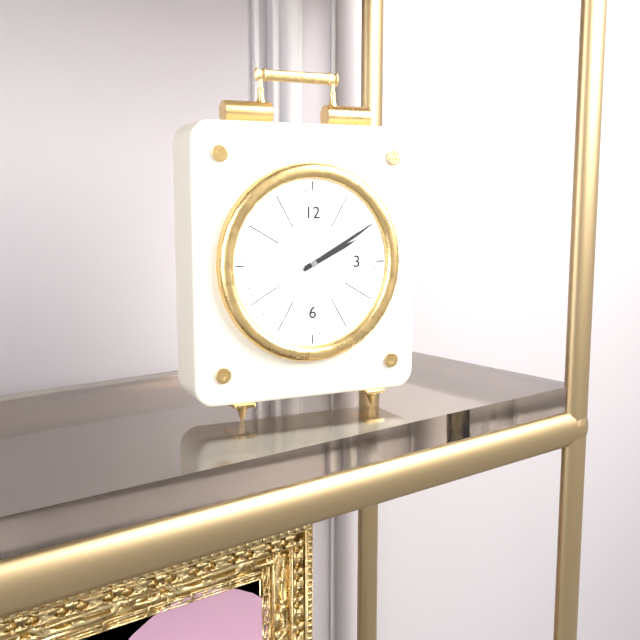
2:10
